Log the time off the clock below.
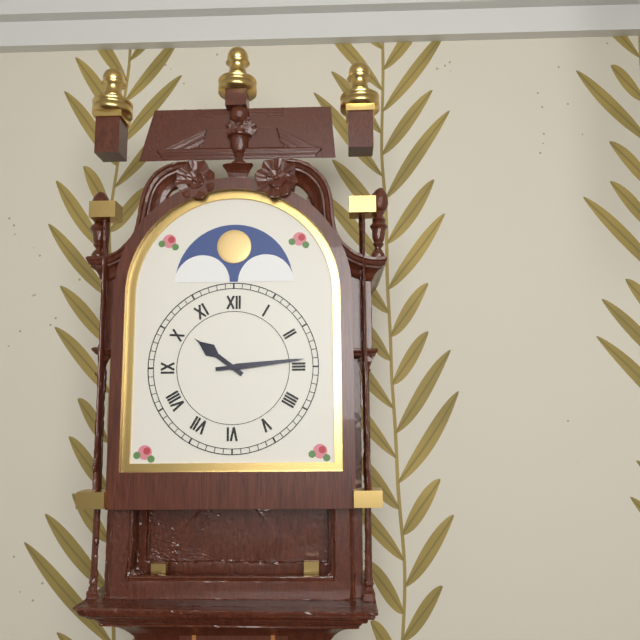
10:14
